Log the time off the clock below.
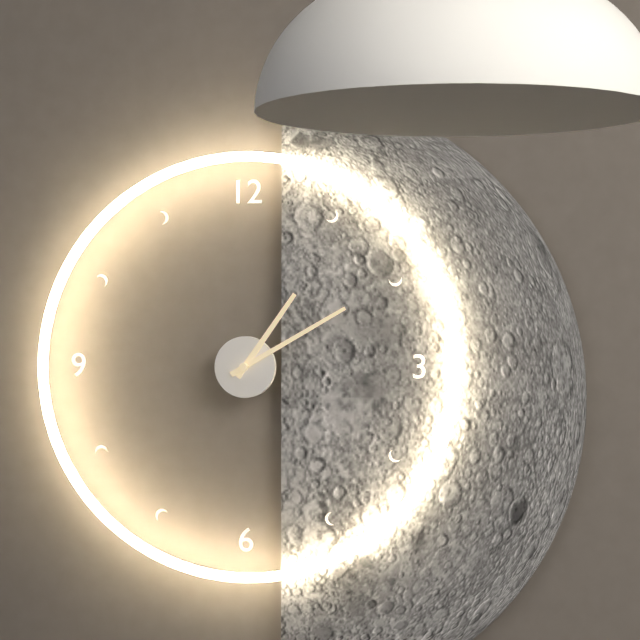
1:10
